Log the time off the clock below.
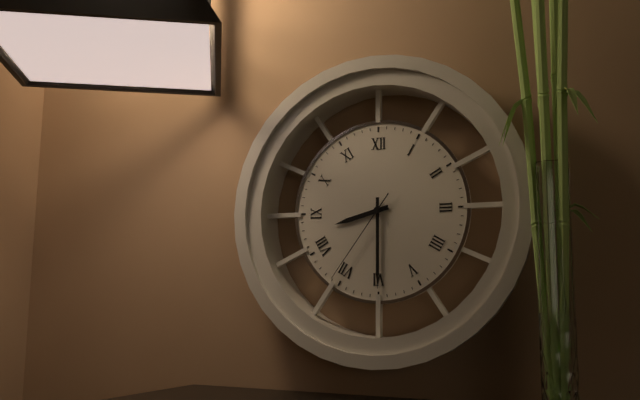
8:30:36
